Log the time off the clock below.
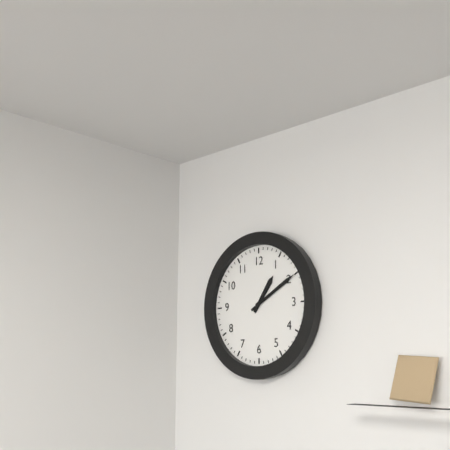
1:10
